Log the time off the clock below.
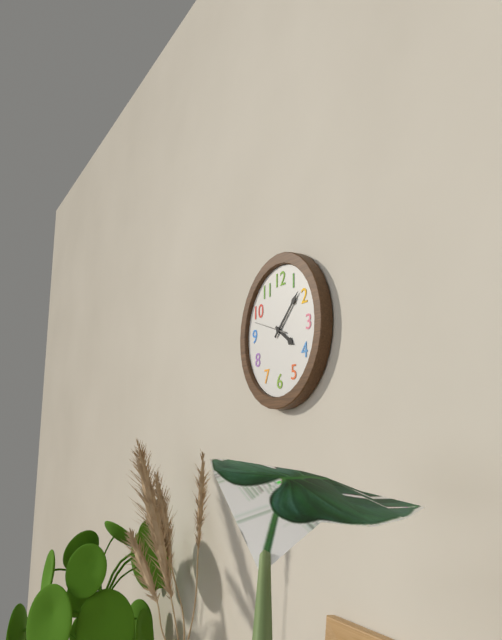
4:08
